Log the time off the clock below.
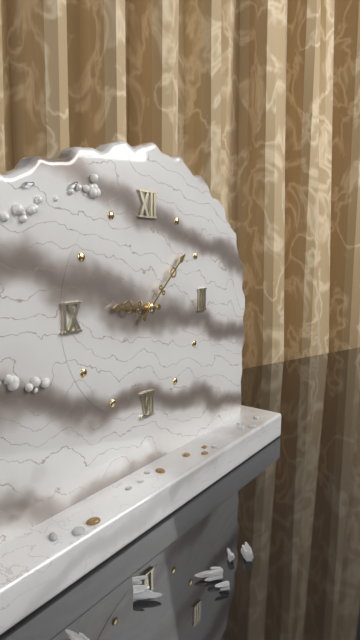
9:08
